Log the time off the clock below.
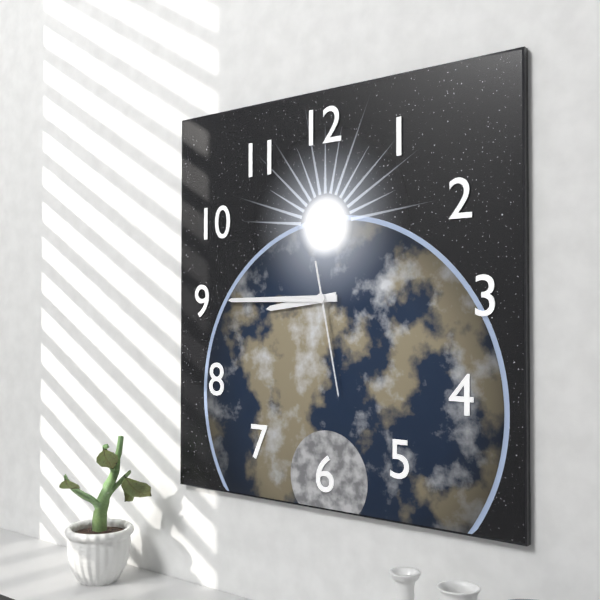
8:45:28
